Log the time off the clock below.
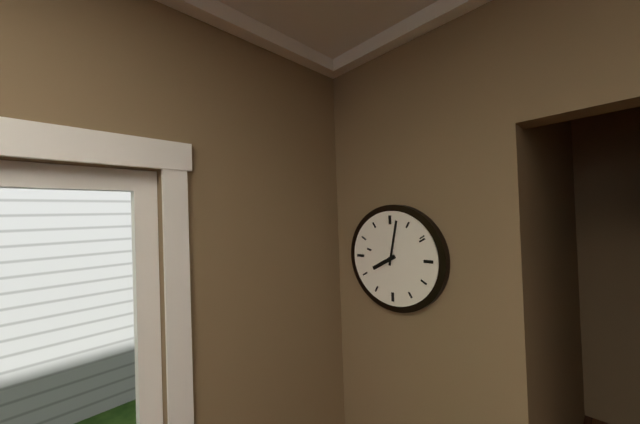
8:02
